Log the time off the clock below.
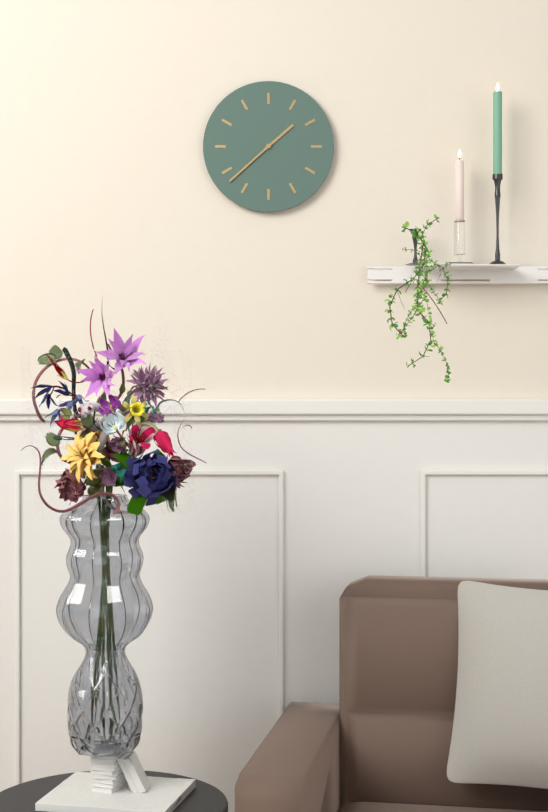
1:38
